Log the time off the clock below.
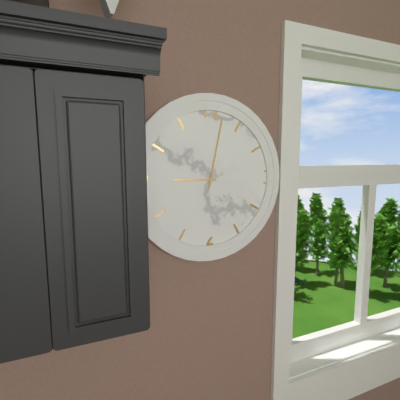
9:02
